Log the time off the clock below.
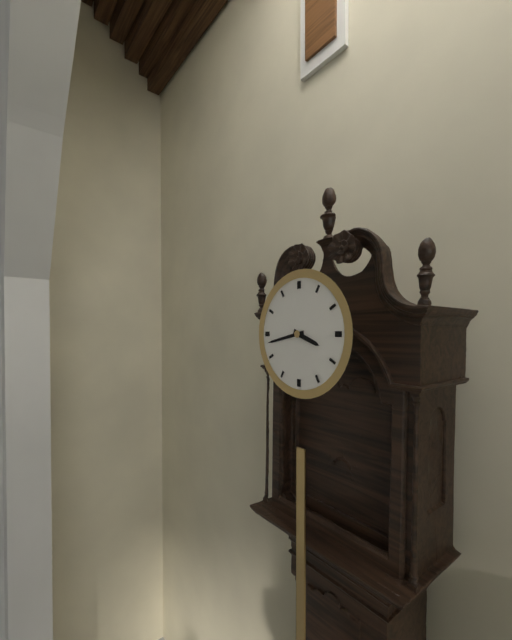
3:43
